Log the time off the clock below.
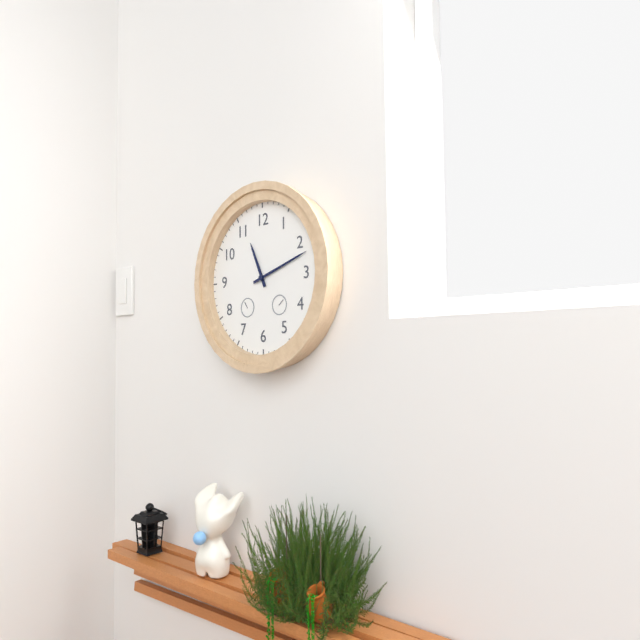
11:12
